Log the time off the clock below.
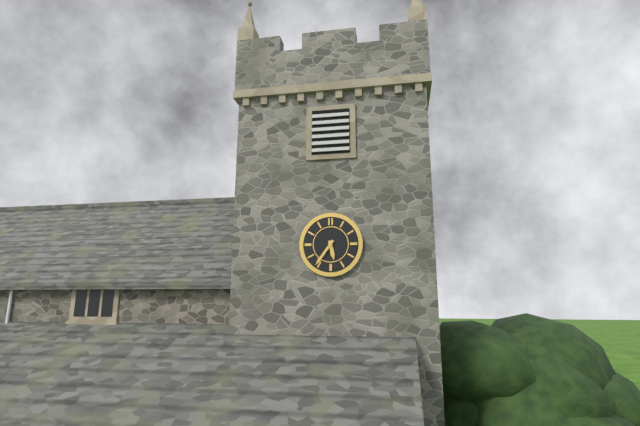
5:36
